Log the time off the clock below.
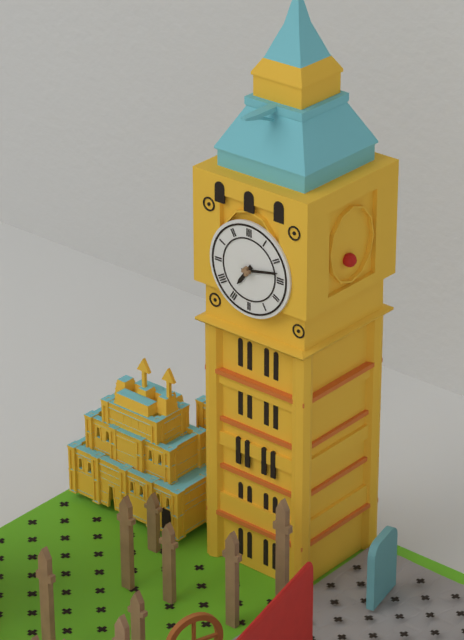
7:13
